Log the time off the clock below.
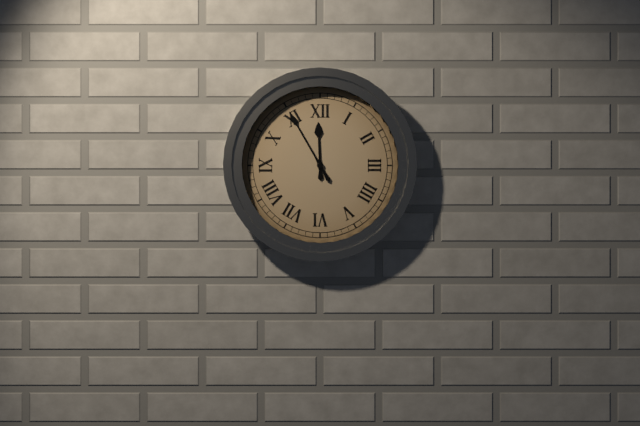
11:55
